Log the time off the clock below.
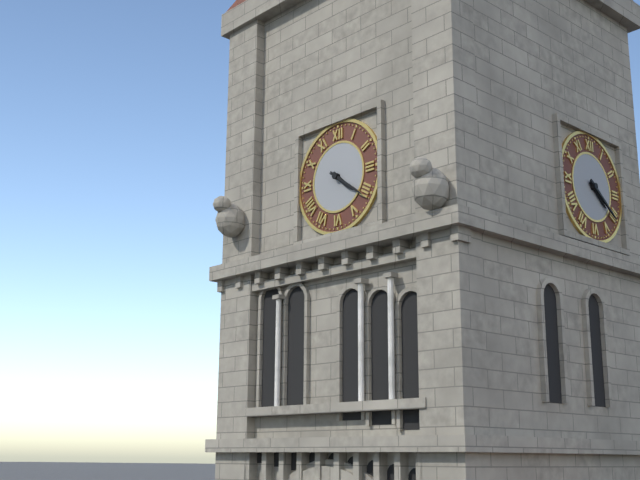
4:21
